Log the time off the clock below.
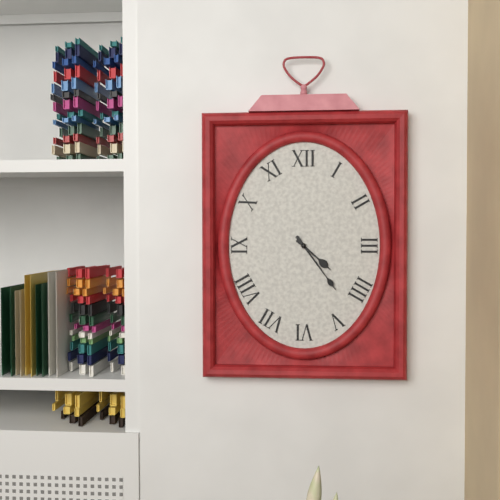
4:24
